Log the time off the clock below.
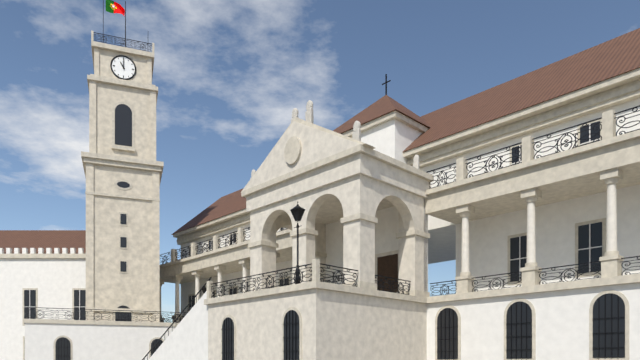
11:00
